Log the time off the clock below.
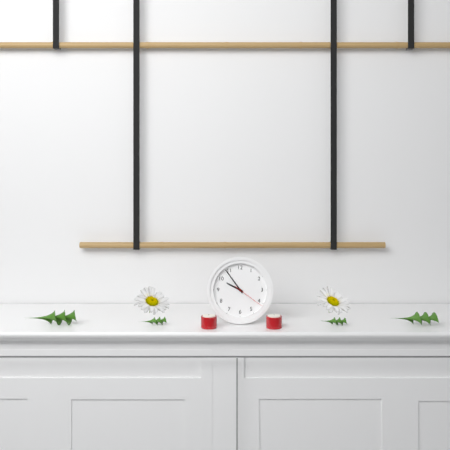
9:54
